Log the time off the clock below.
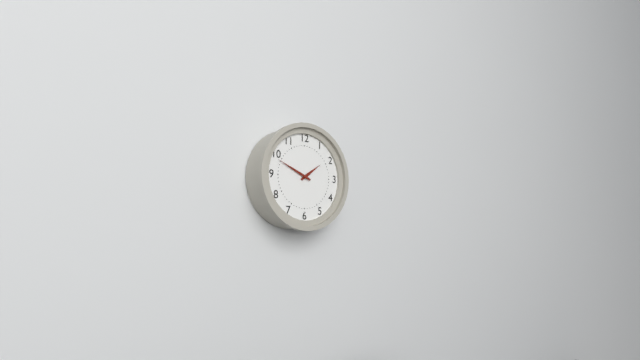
1:49
